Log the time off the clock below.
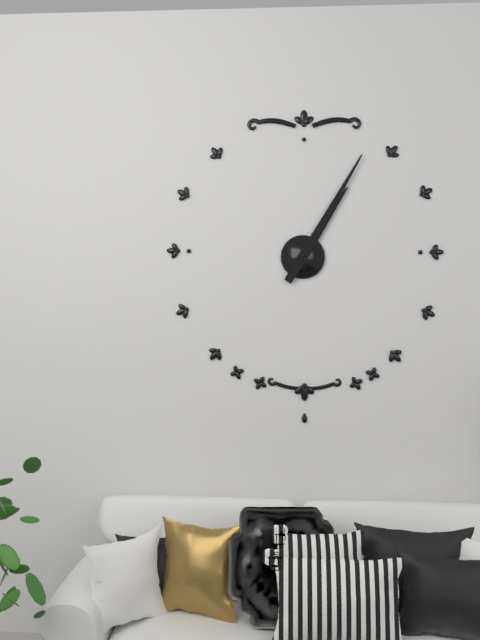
1:05
